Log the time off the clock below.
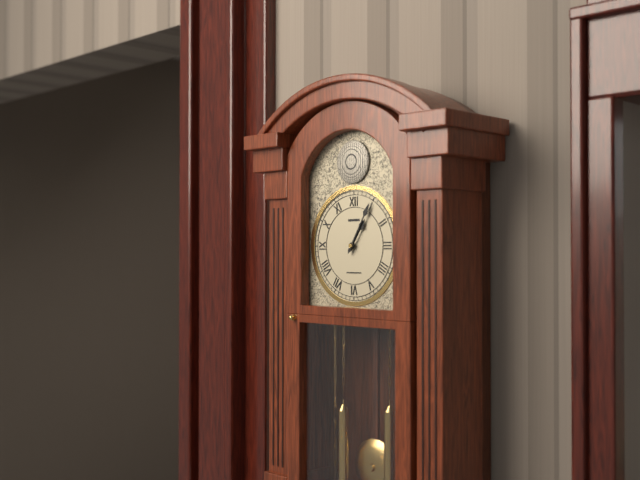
1:05
